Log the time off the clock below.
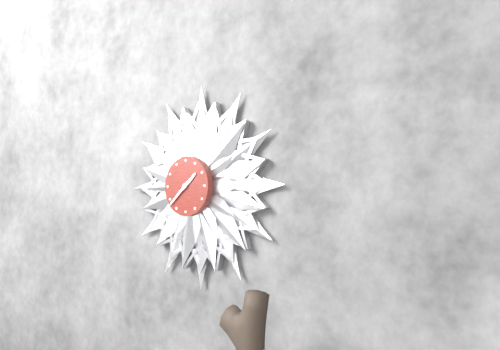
1:38
